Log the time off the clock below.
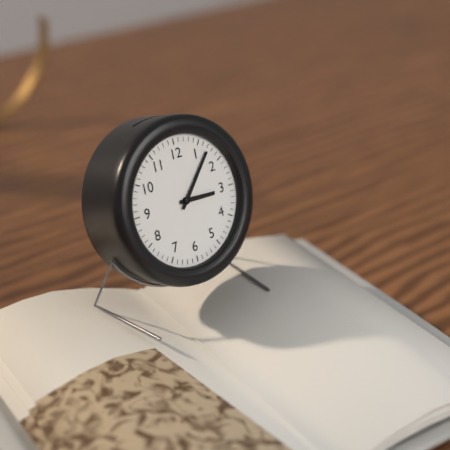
3:07
